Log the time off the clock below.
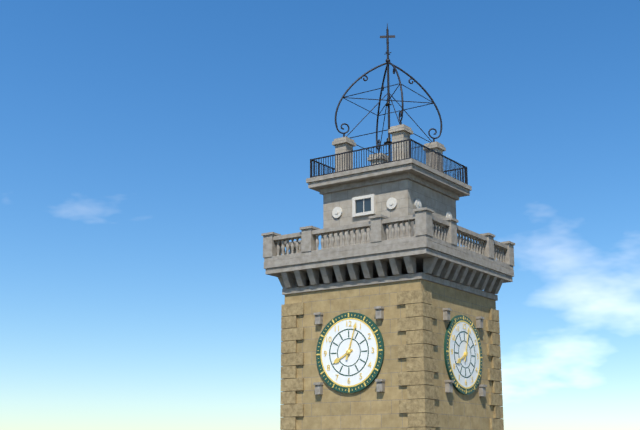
8:03
